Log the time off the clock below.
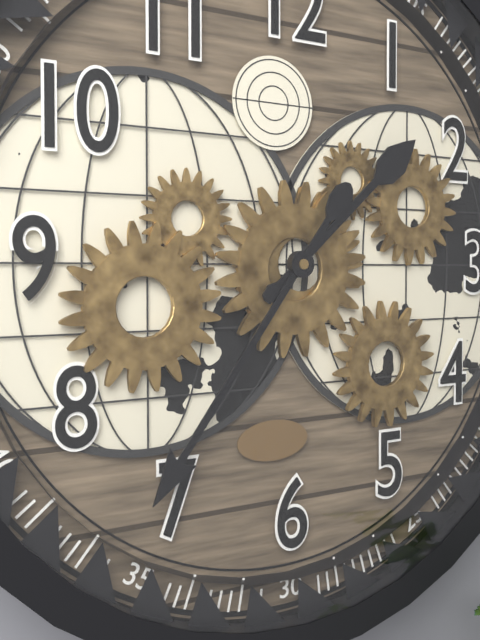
1:36
